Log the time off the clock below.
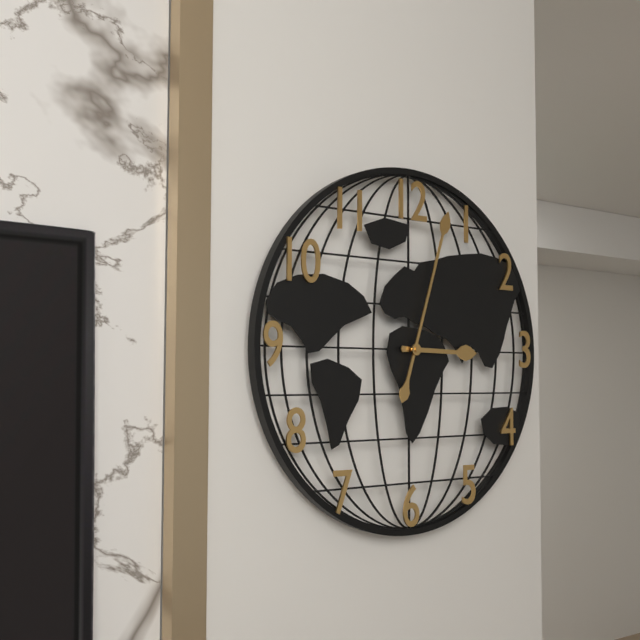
3:03
